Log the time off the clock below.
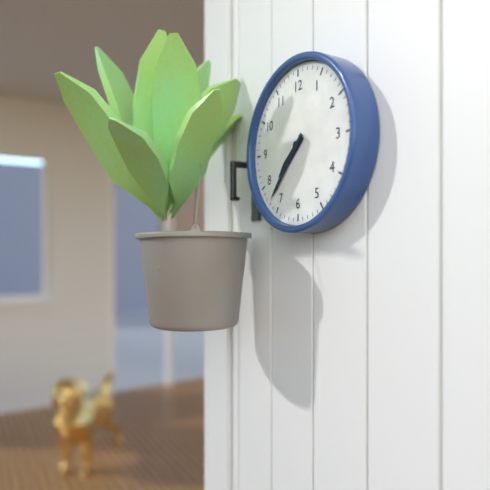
7:37
